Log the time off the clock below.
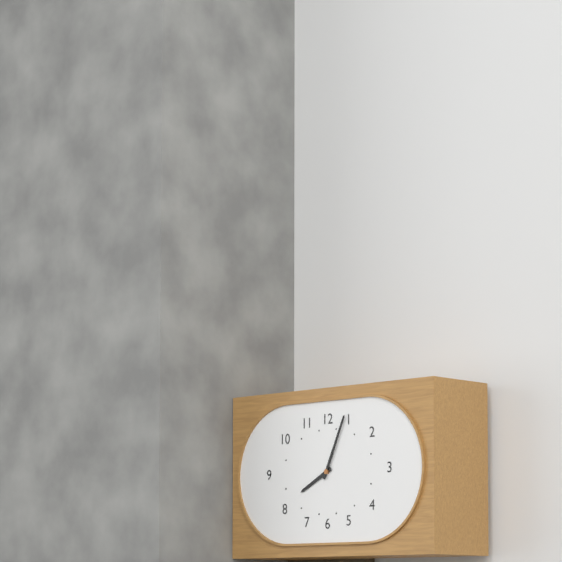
8:04
